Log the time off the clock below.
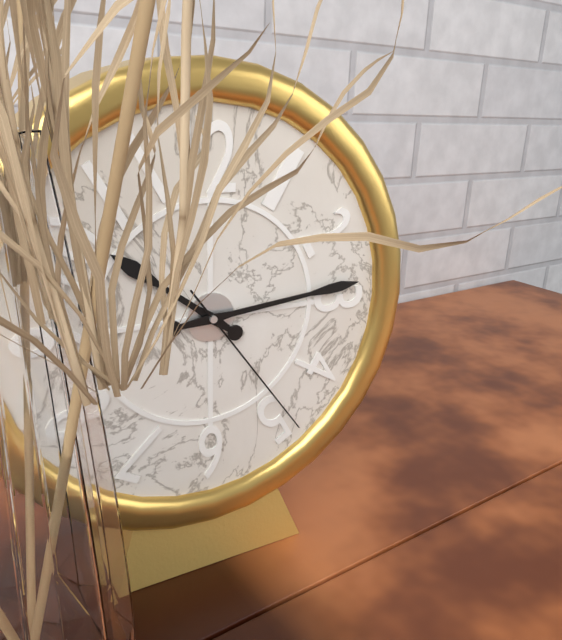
10:14:24
